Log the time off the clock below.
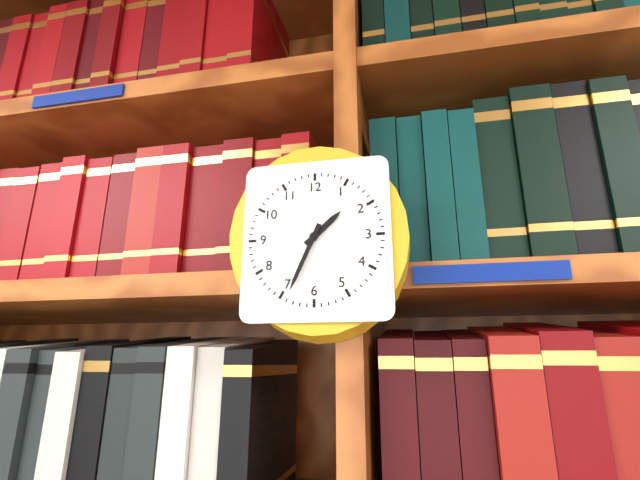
1:34
